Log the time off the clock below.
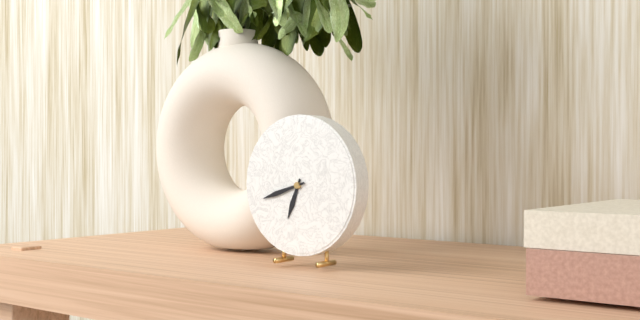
6:42
